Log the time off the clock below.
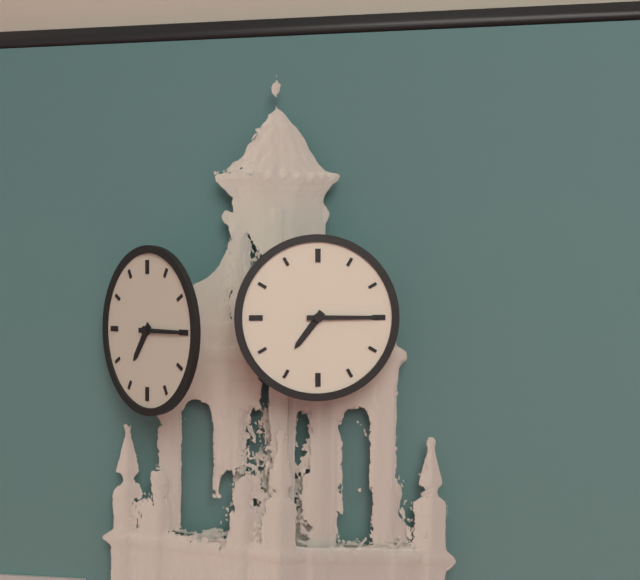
7:15
